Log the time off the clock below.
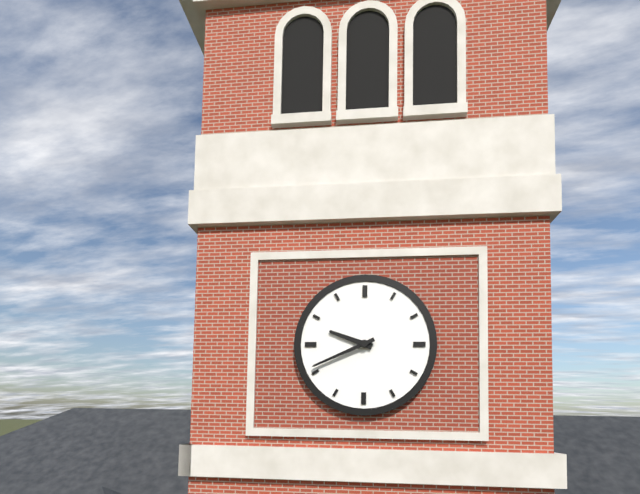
9:41
